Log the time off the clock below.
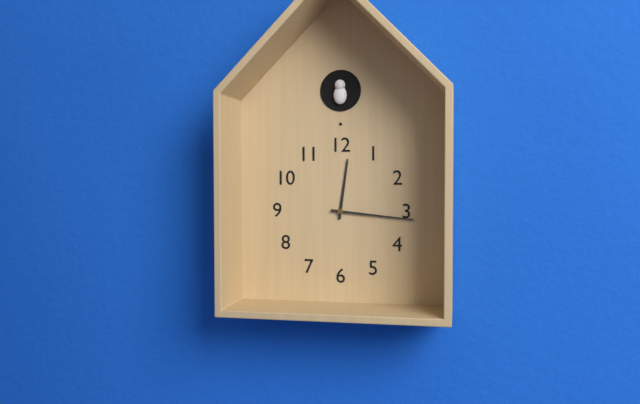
12:16
